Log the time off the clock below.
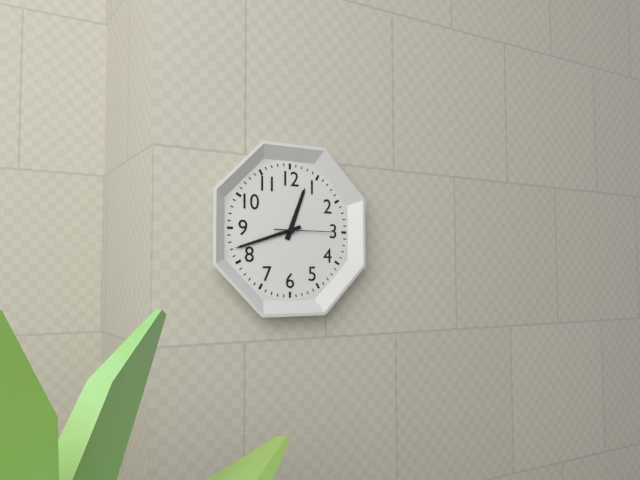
12:42:15
